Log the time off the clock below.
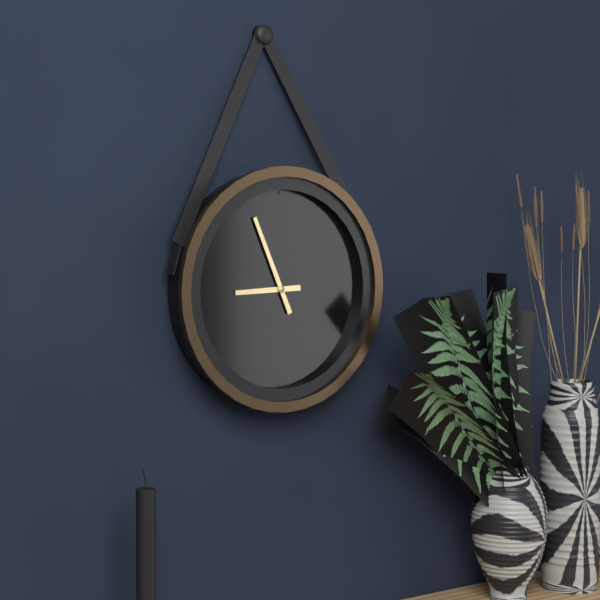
8:56
